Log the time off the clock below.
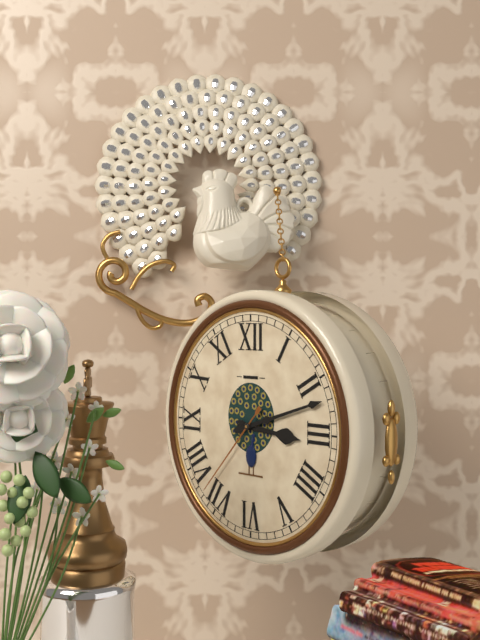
3:12:37
